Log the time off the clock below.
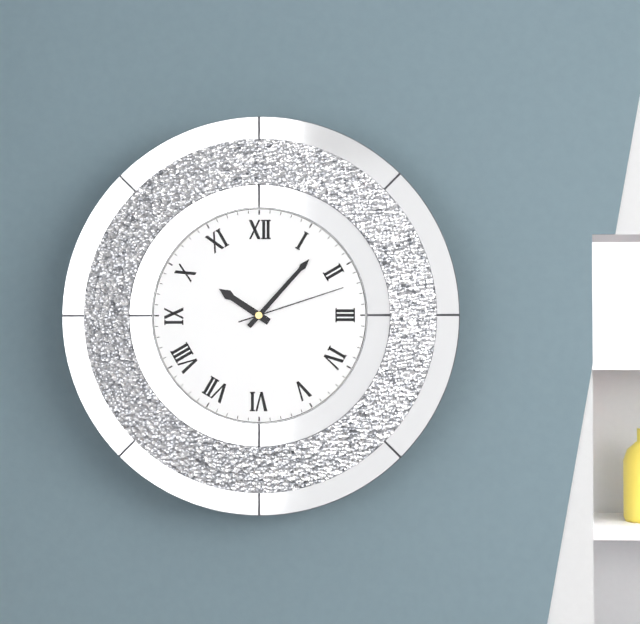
10:07:12
